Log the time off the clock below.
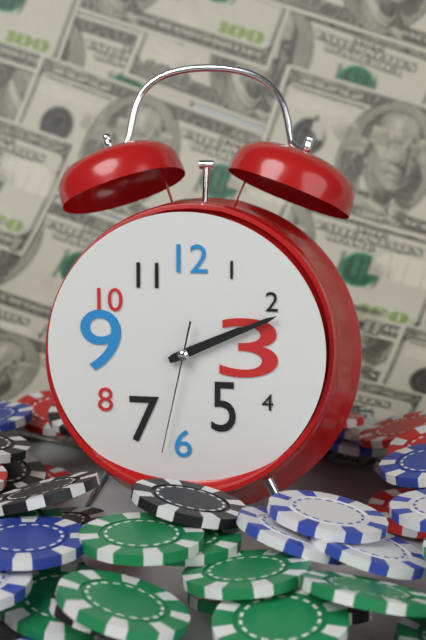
2:11:32
